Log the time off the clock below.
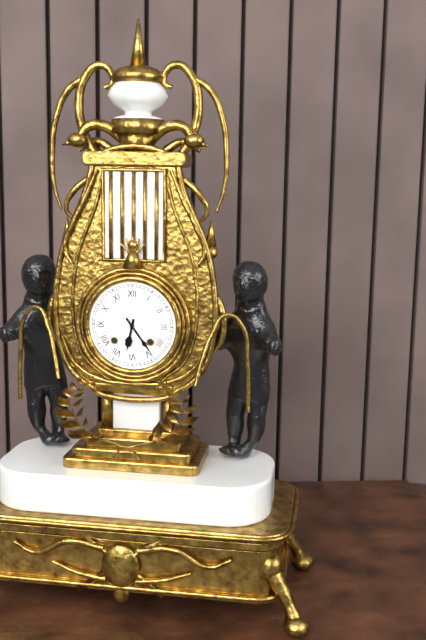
6:24
